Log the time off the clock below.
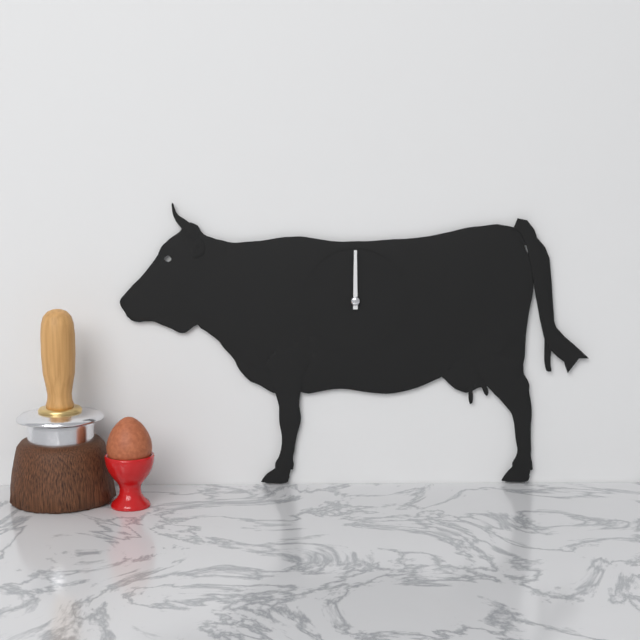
12:00
